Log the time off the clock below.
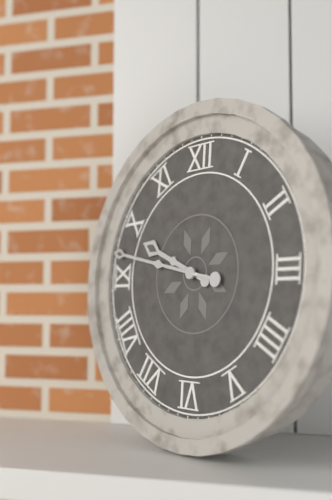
9:47
